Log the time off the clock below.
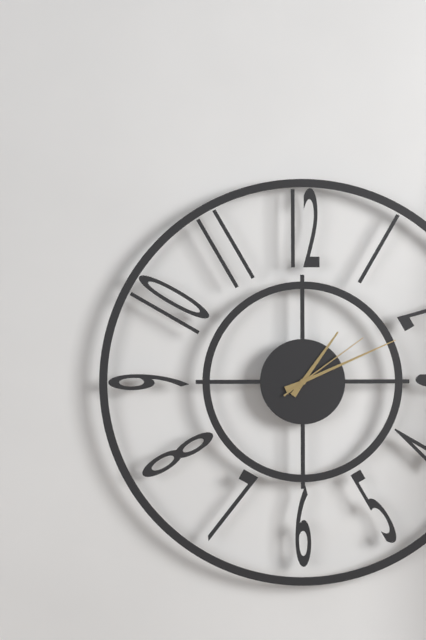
1:11:09
